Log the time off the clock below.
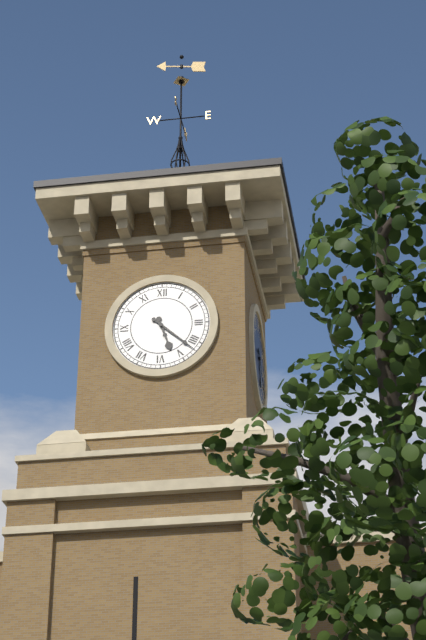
5:22
